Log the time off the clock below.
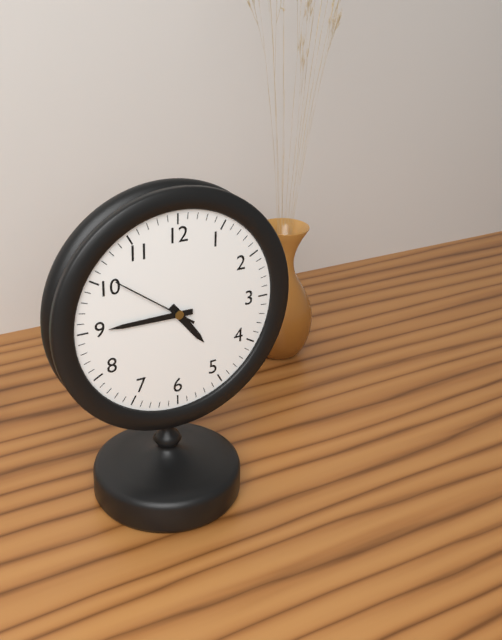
4:45:51
